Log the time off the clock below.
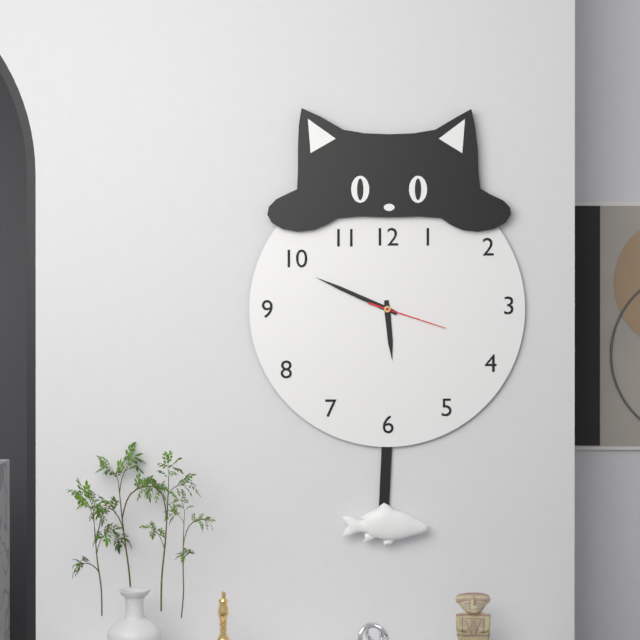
5:49:18
